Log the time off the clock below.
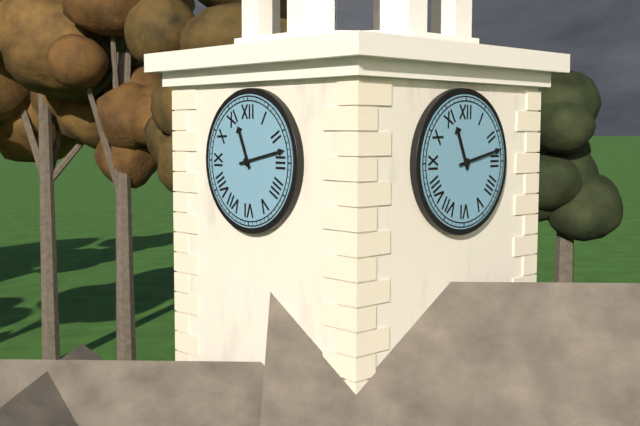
11:13
